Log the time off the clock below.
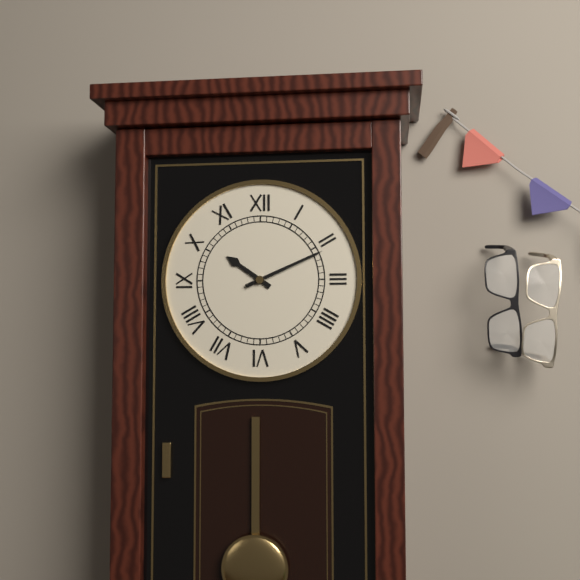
10:11
